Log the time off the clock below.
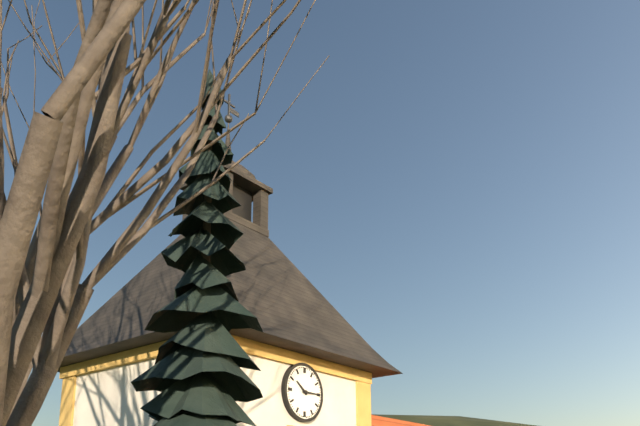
10:15
